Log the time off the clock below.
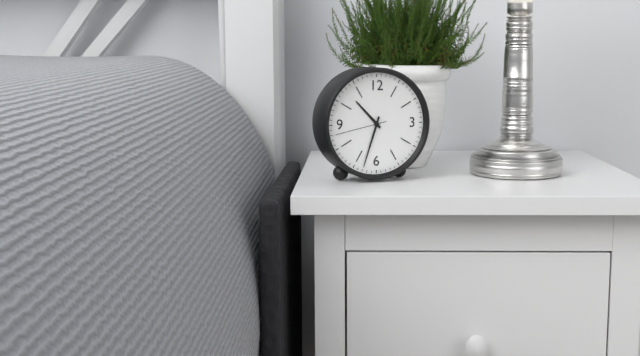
10:33:43
